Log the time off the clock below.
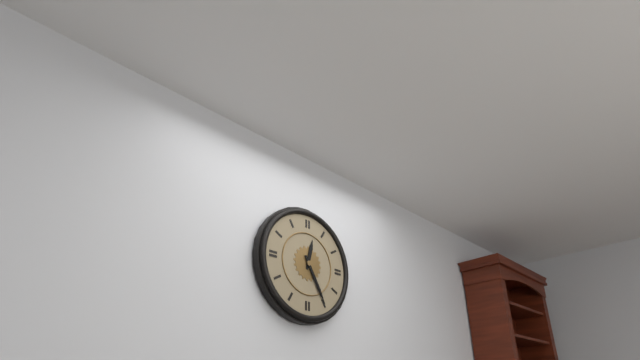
12:25
